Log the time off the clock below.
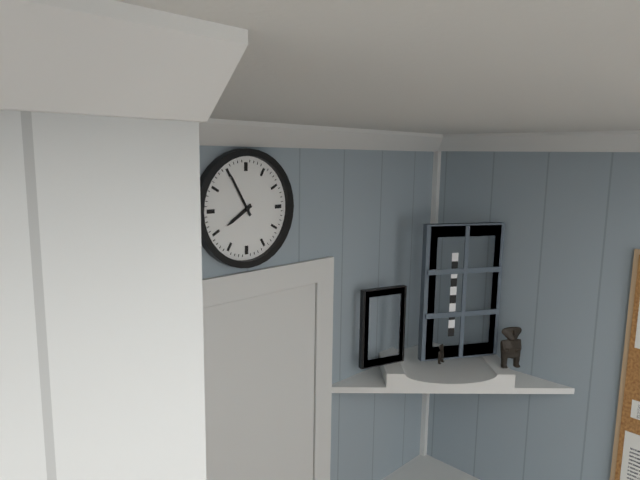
7:55
